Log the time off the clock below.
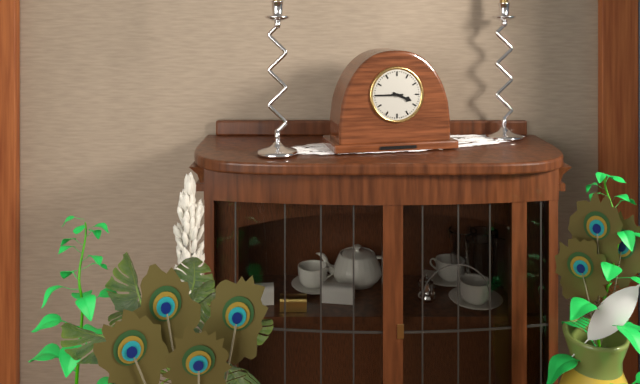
3:45
